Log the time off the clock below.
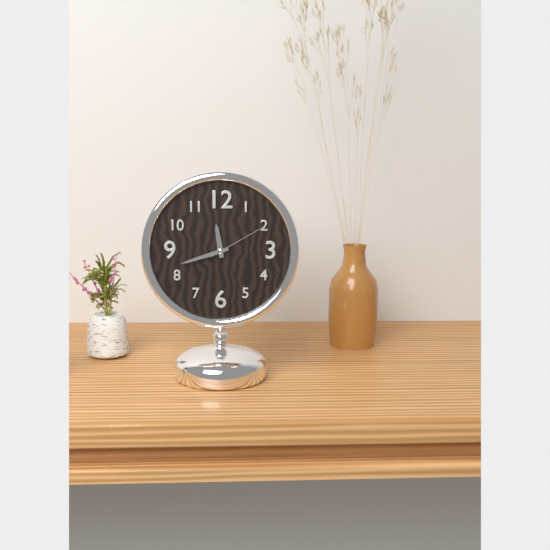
11:42:10
